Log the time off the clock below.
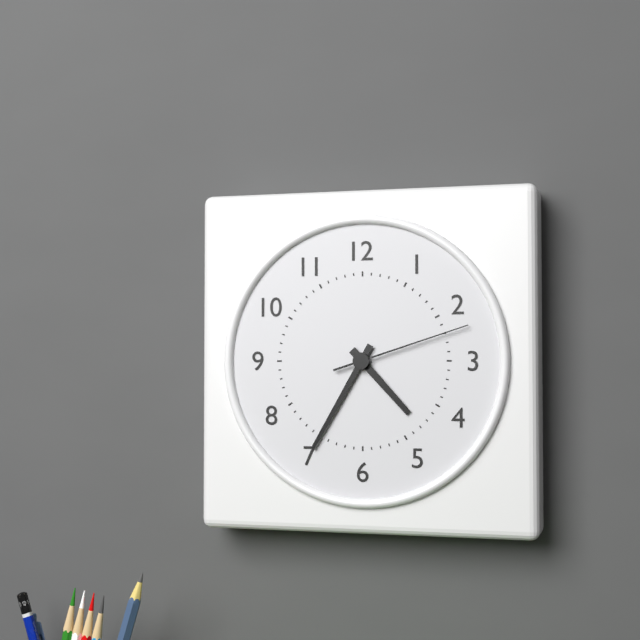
4:35:12
